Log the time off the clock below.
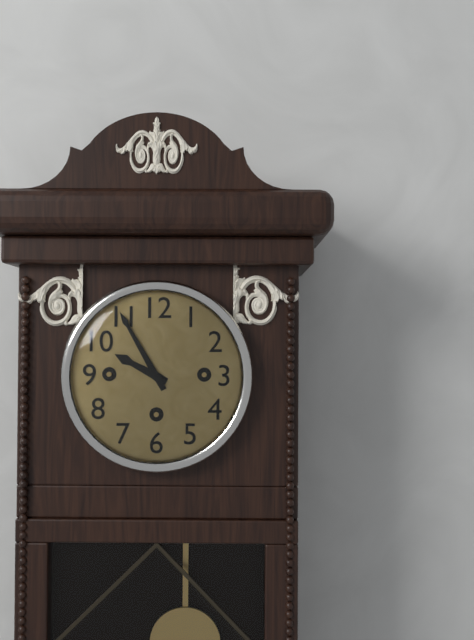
9:55
